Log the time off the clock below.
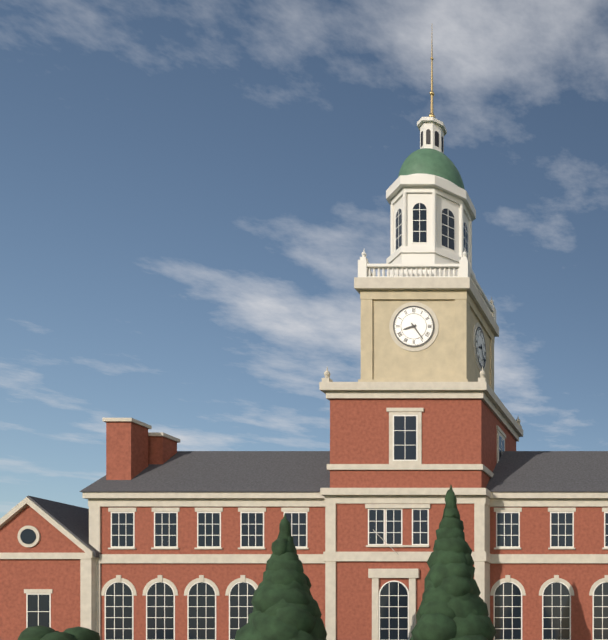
8:24
